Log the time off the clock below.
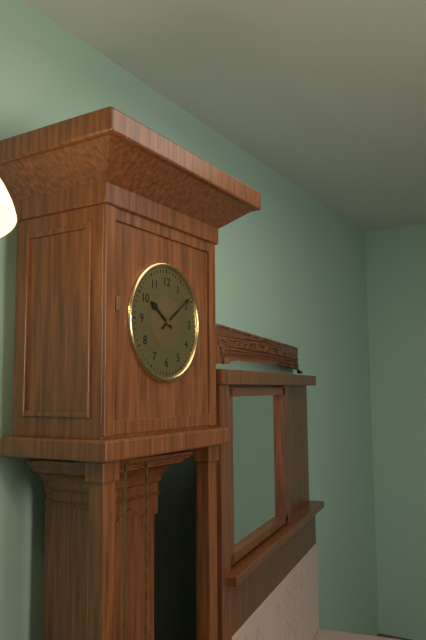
10:09
